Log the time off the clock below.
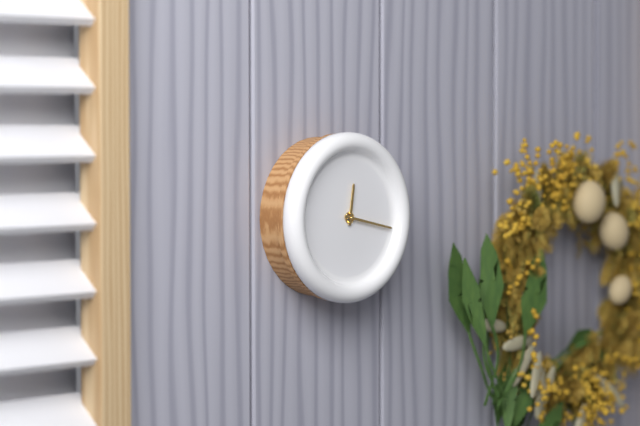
12:17
